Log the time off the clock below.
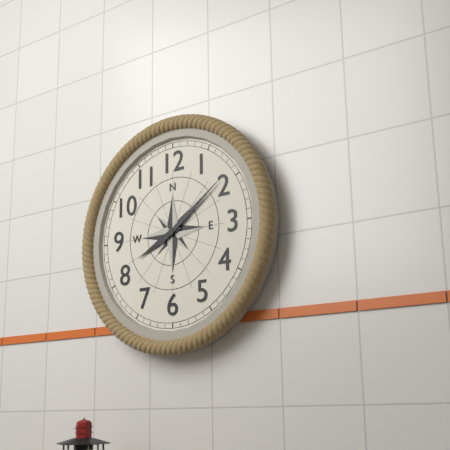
8:09
